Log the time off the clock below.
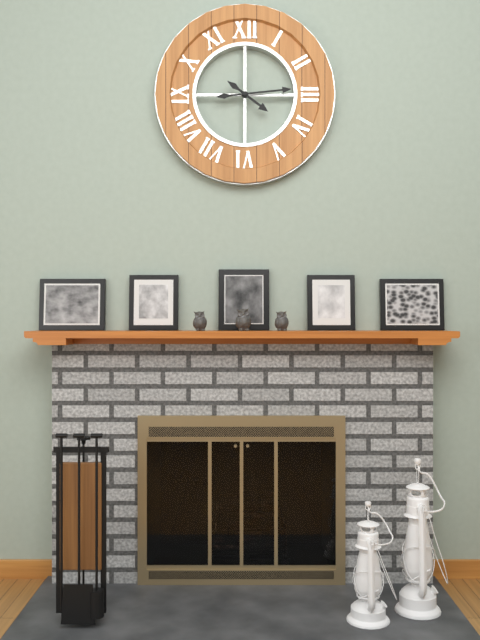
4:14
